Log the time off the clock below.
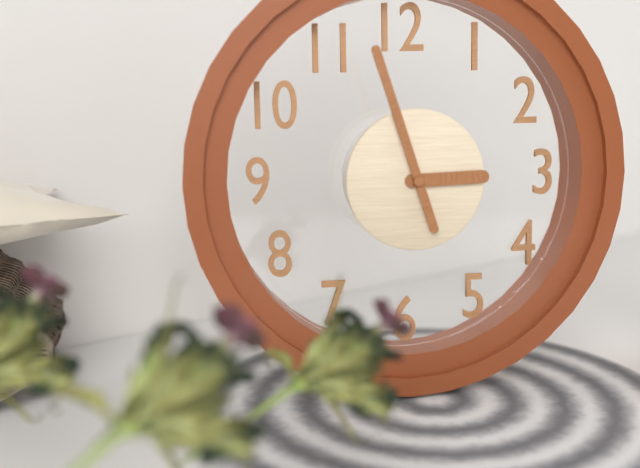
2:57
